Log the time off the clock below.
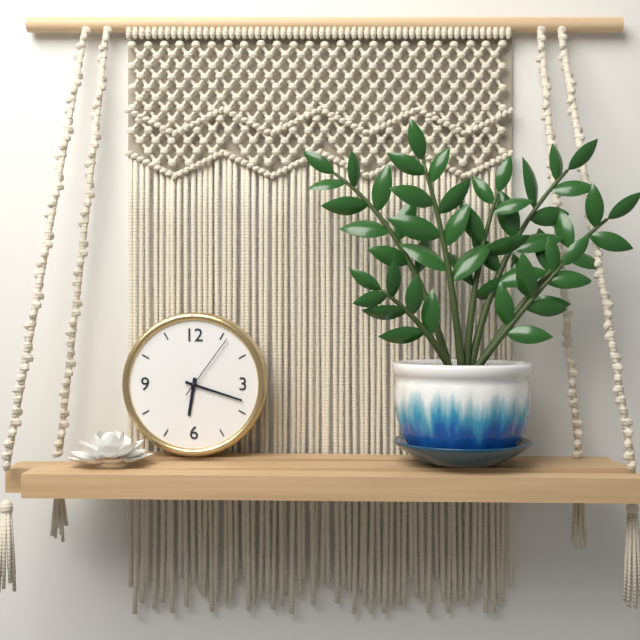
6:18:06
